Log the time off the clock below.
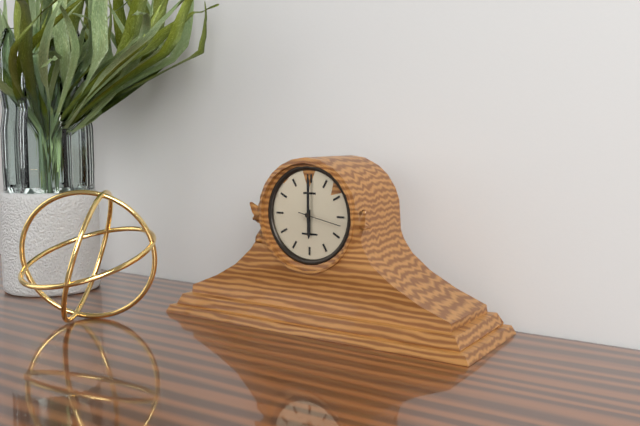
6:00
